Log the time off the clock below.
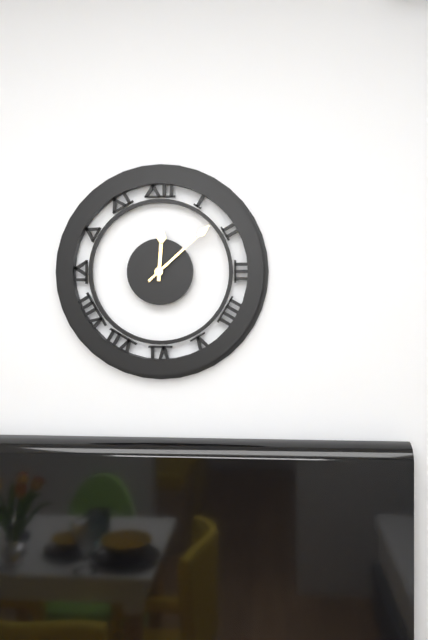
12:08
